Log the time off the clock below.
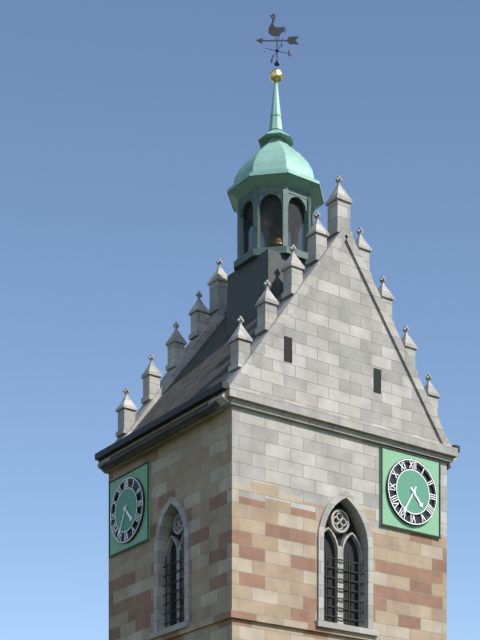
4:35
